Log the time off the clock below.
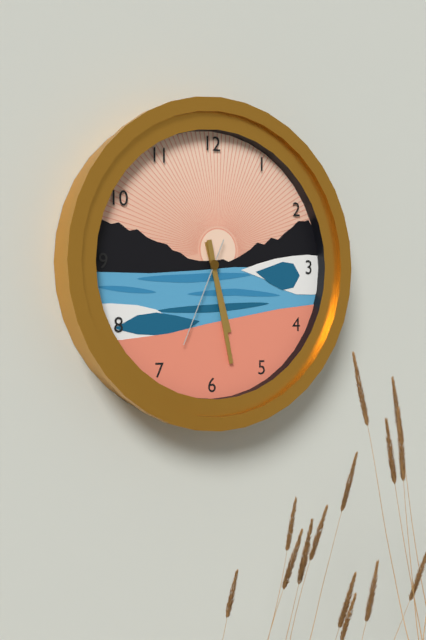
5:28:34
